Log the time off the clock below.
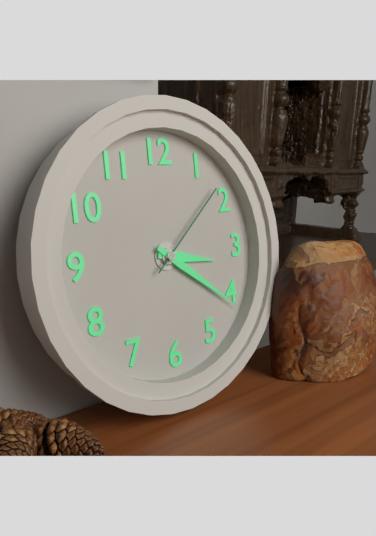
3:21:08
